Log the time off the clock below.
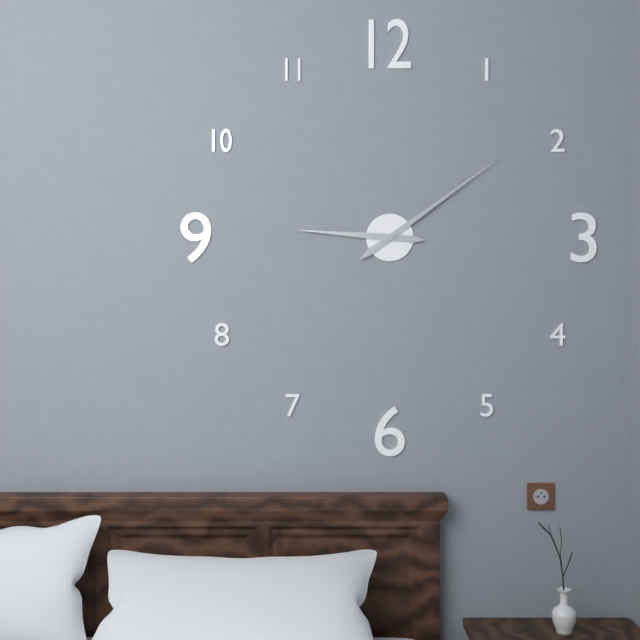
9:09
